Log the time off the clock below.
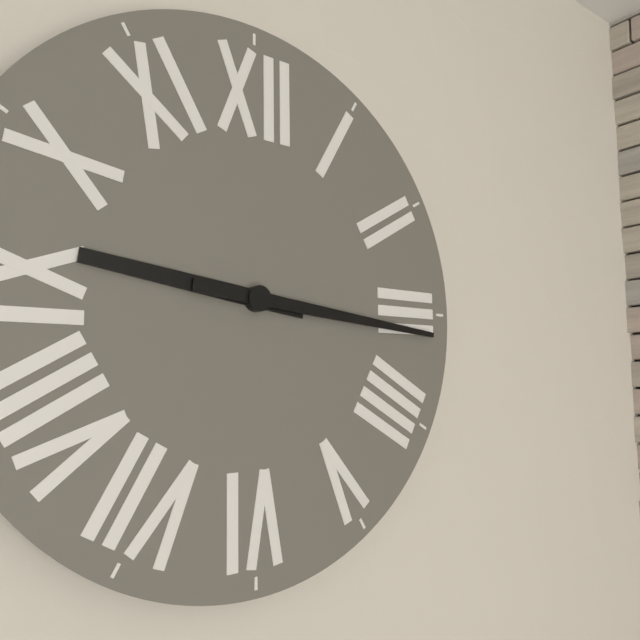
9:16
